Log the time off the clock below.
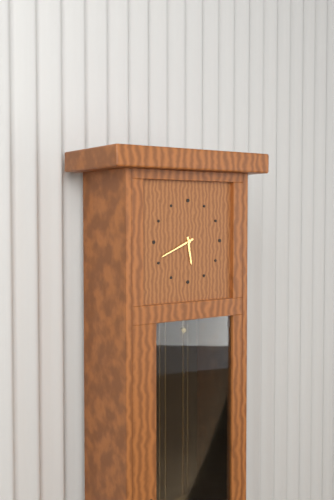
5:41
